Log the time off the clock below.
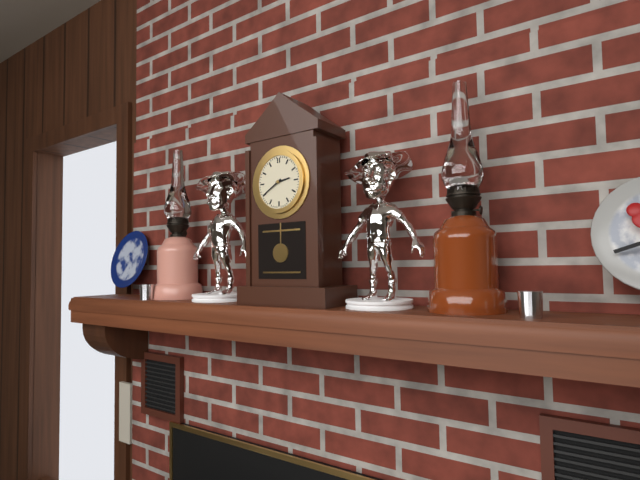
2:40
